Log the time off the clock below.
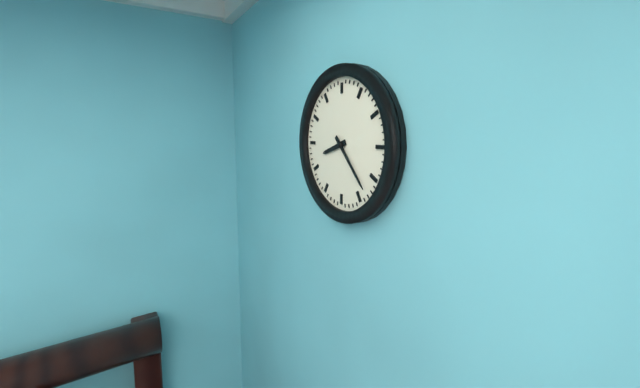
8:23
